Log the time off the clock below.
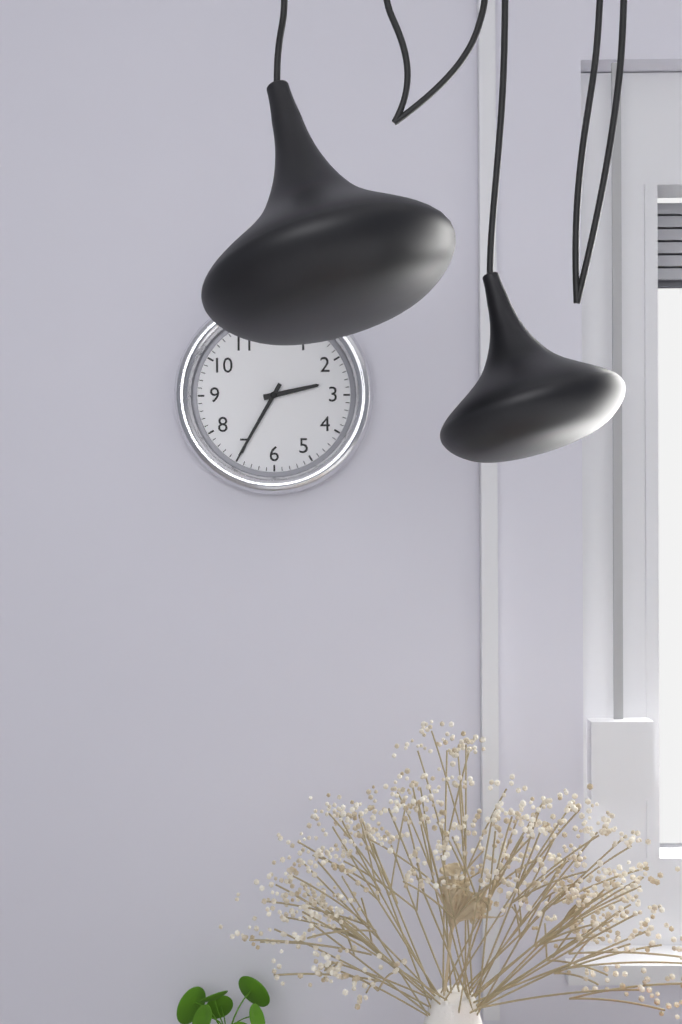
2:35
